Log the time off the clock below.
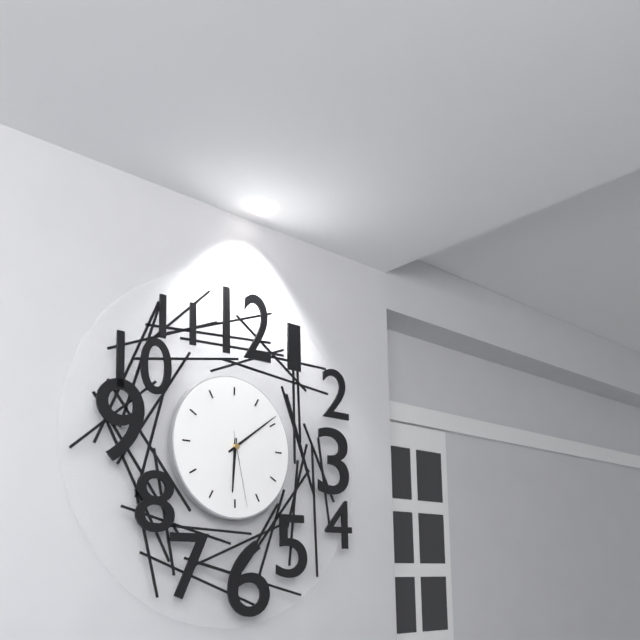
6:09:28
